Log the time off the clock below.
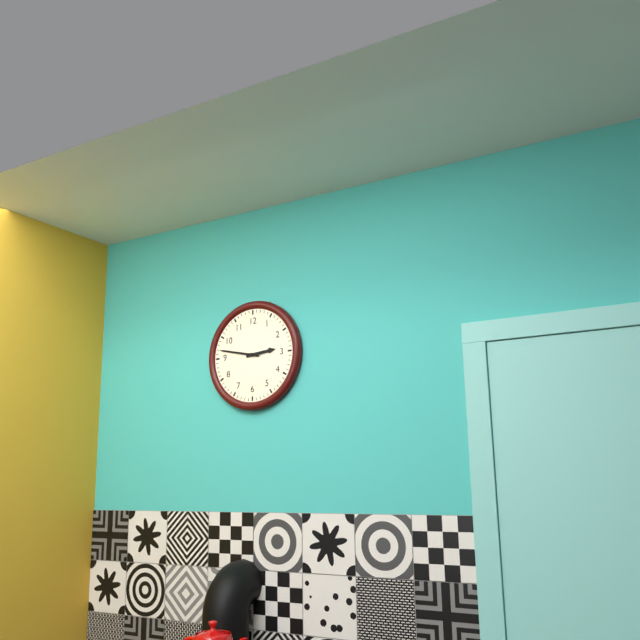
2:47
